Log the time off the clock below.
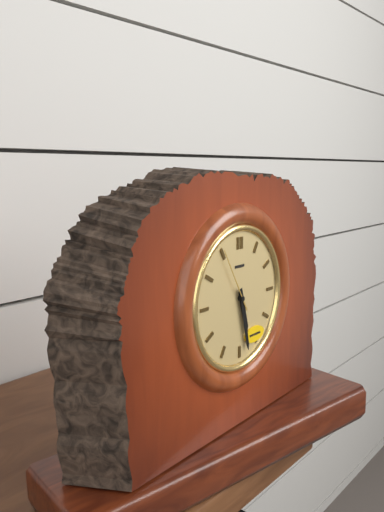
5:28:55
